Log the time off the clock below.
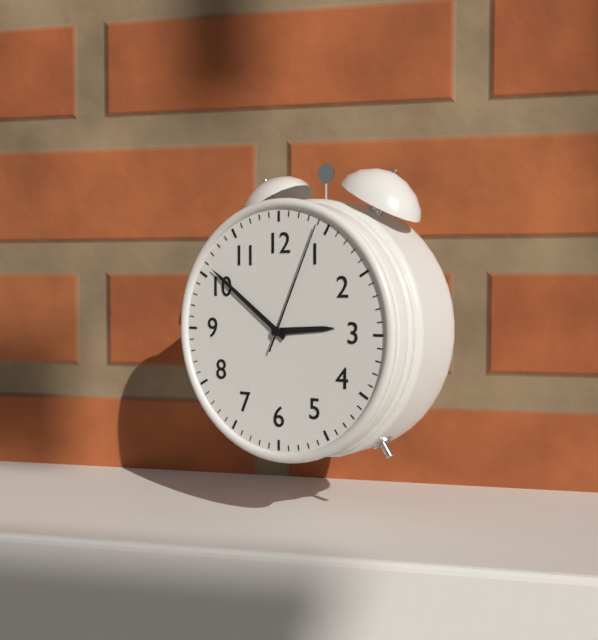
2:51:04
